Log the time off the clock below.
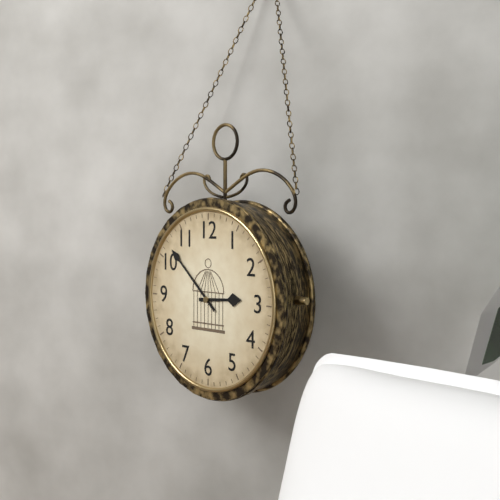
2:52
